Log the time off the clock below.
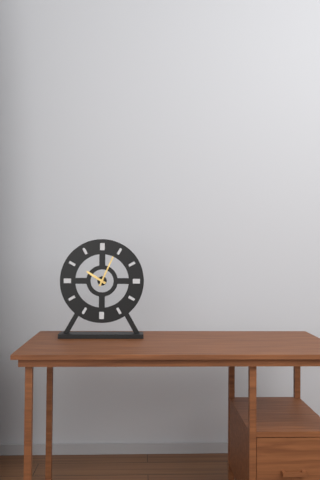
10:04
